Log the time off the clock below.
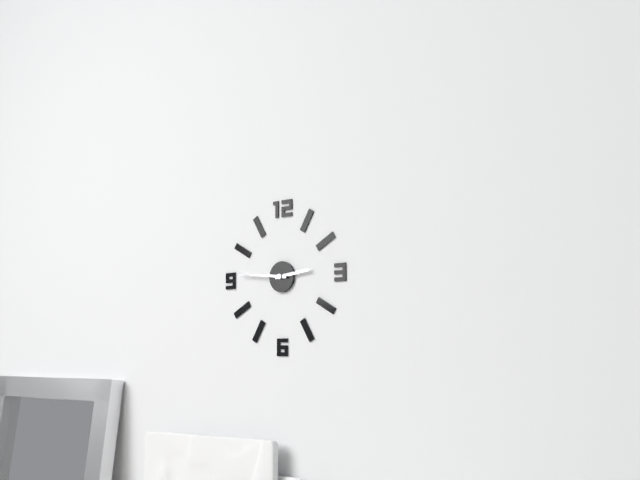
2:46
